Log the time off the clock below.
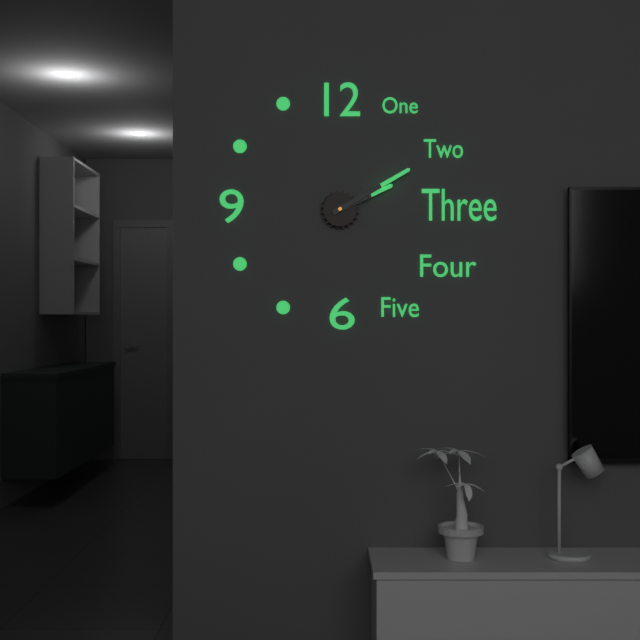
2:10
